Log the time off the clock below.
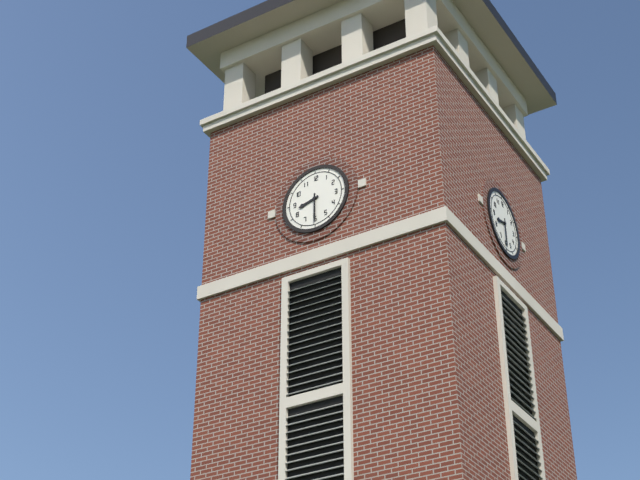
8:30
